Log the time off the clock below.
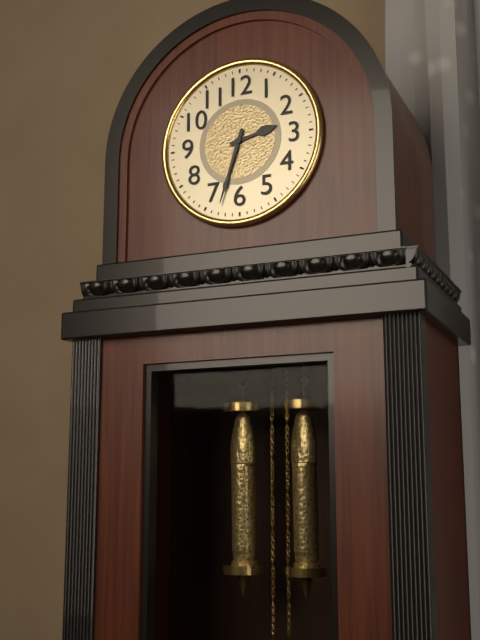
2:33
